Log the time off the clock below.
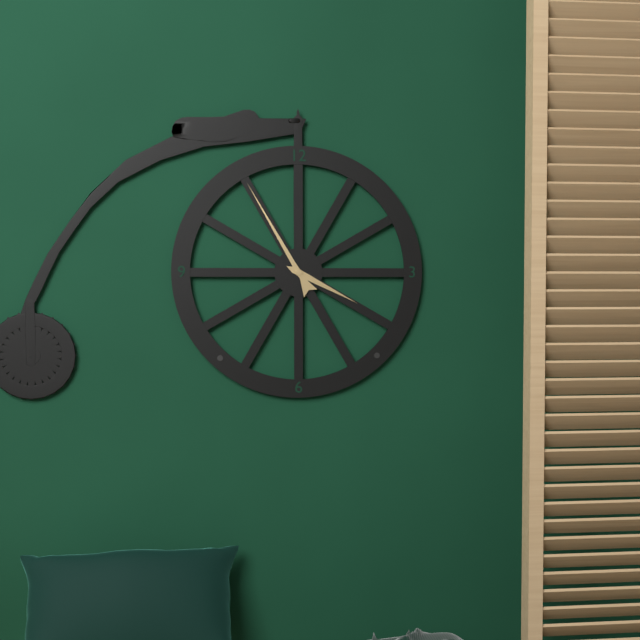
3:55
